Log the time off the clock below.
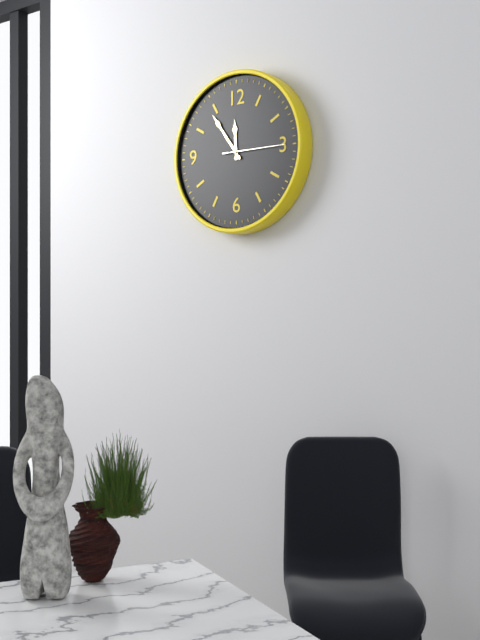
11:54:15
